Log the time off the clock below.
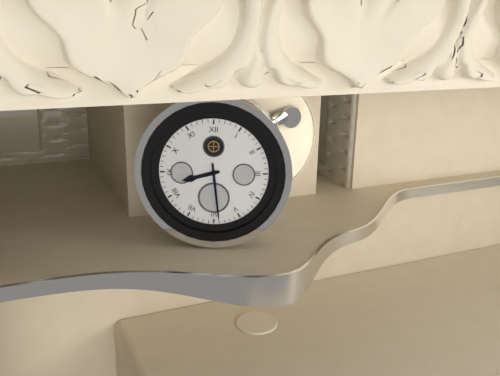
8:29
